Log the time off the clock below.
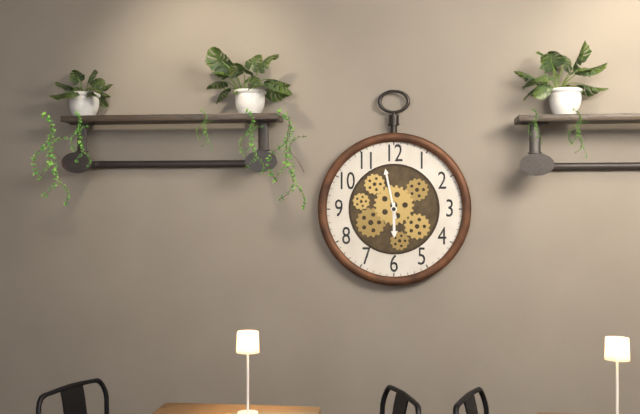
5:58
